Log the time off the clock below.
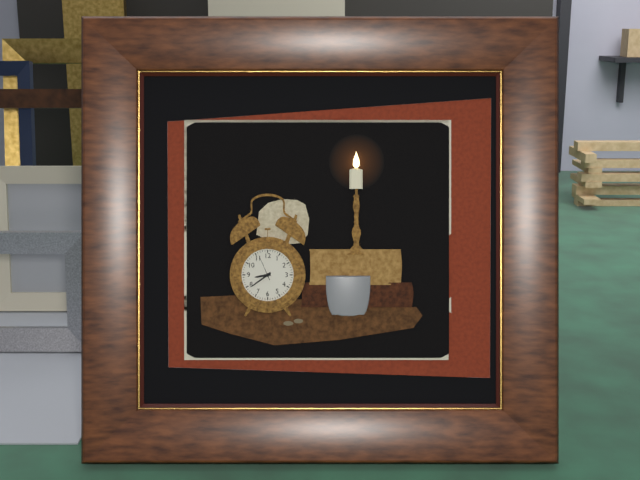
8:39
